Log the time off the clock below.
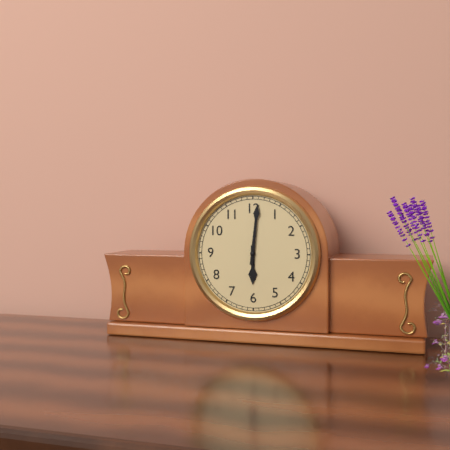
6:01
